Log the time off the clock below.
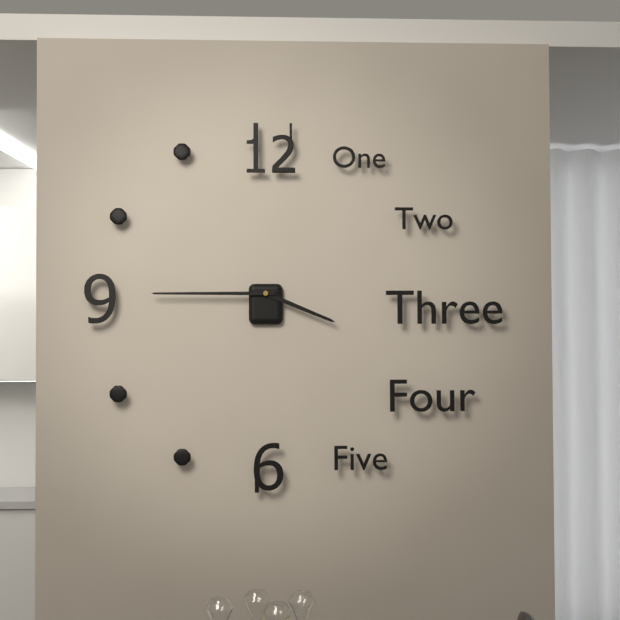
3:45
